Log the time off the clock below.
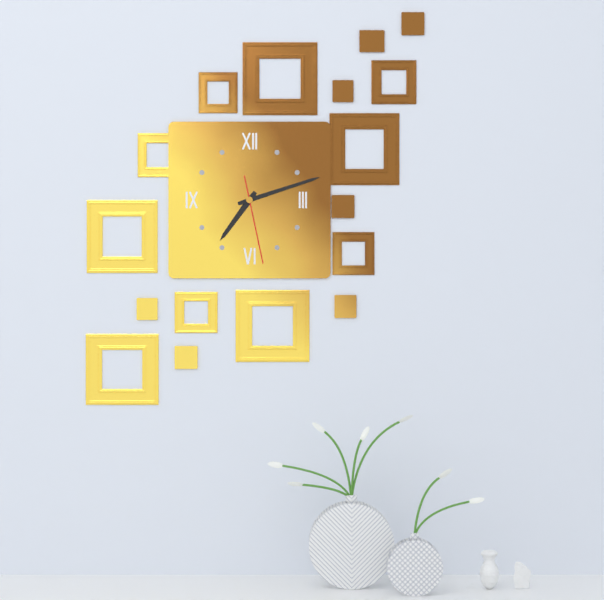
7:12:28
